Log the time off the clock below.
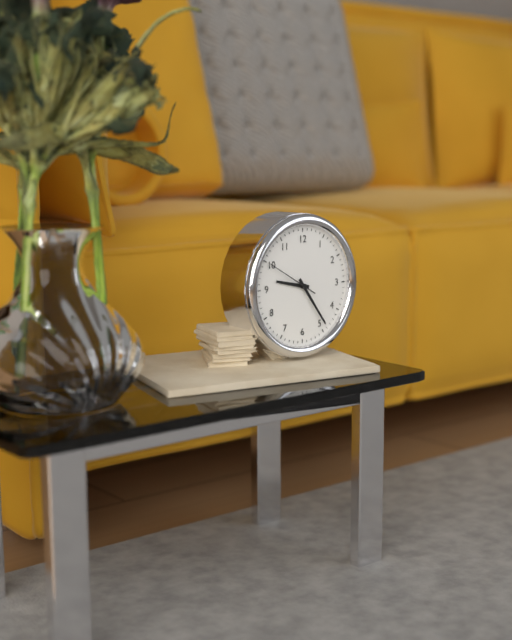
9:24
